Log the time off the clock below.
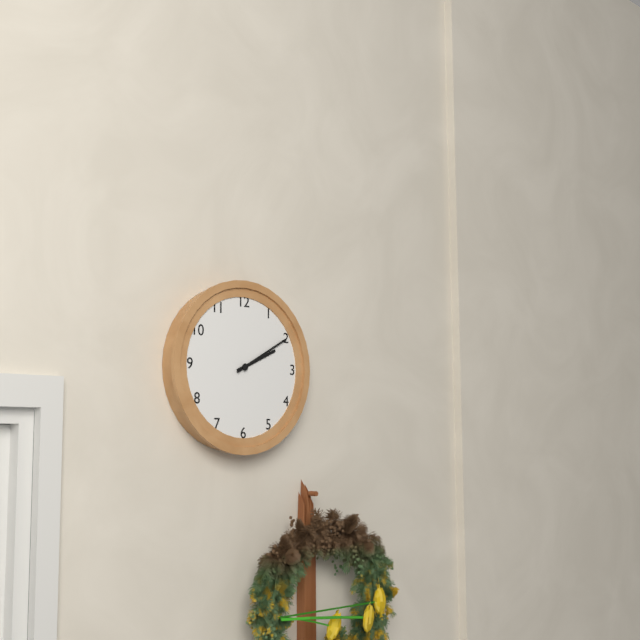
2:10
